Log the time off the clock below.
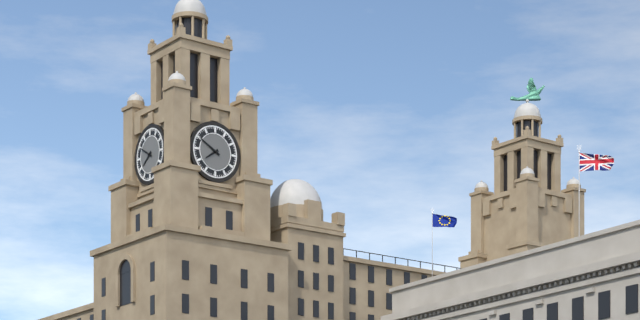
7:50
